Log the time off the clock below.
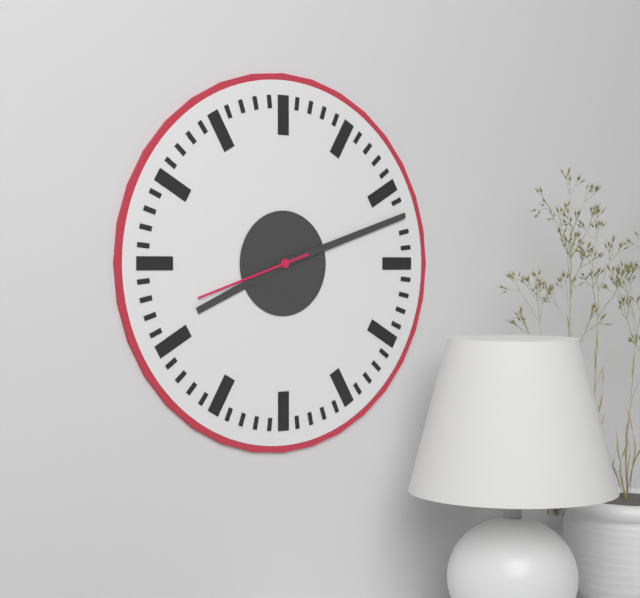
8:12:42
